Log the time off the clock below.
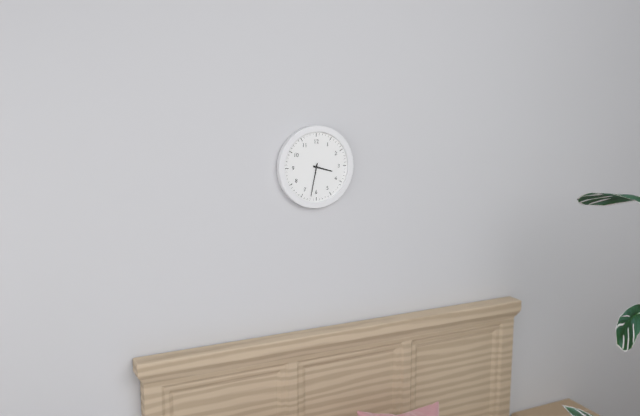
3:32
